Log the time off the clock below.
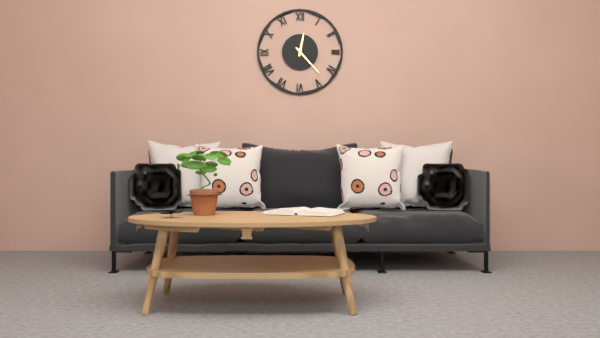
12:23
